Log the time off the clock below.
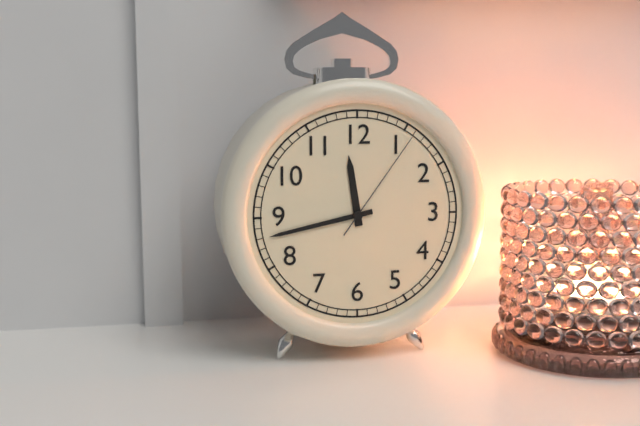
11:43:06
